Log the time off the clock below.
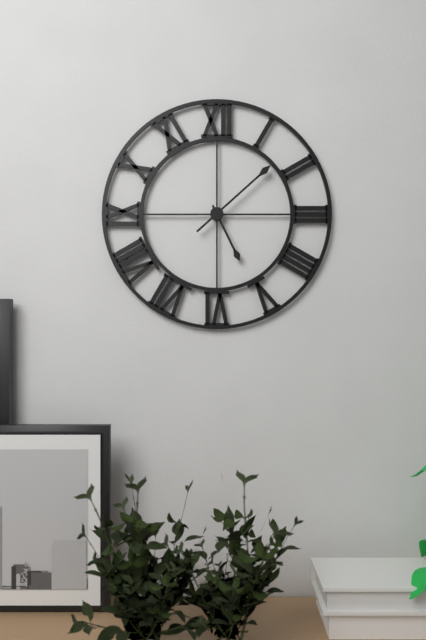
5:08
